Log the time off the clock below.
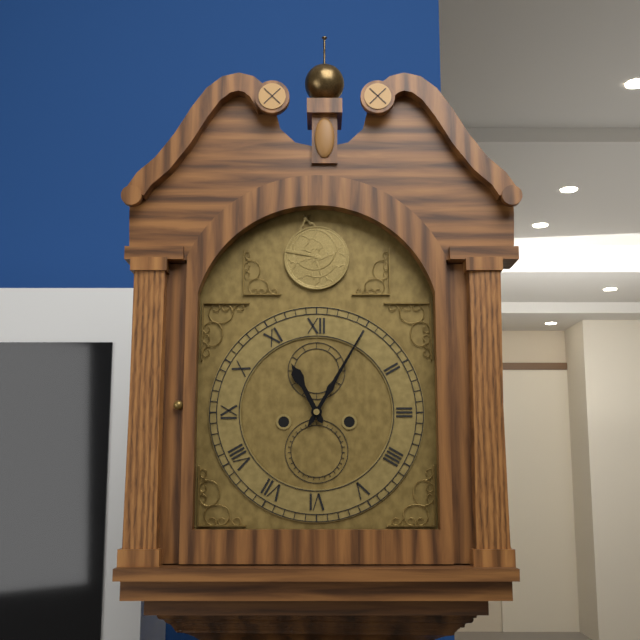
11:05
